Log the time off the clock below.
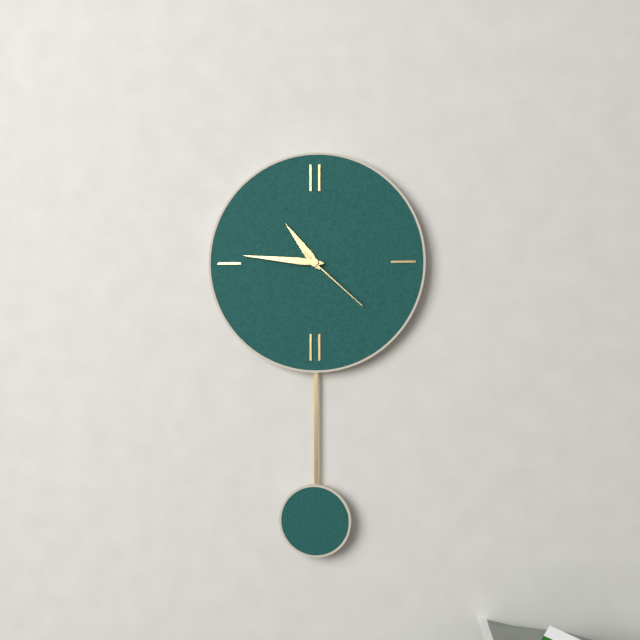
10:46:22
